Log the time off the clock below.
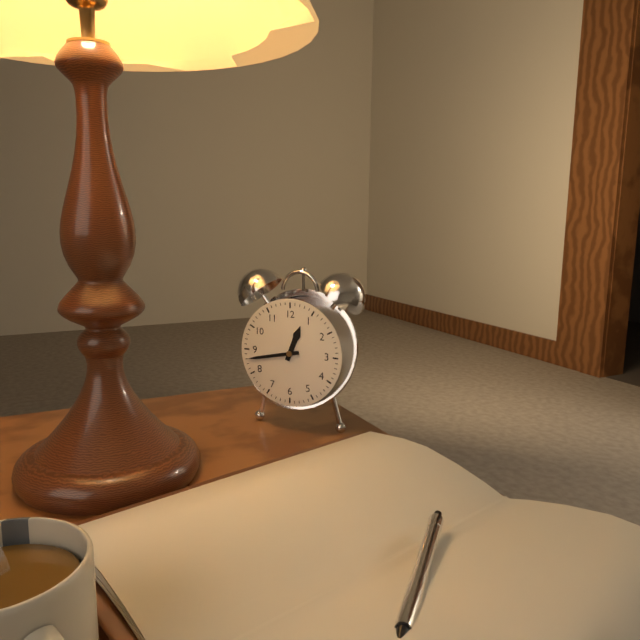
12:43
